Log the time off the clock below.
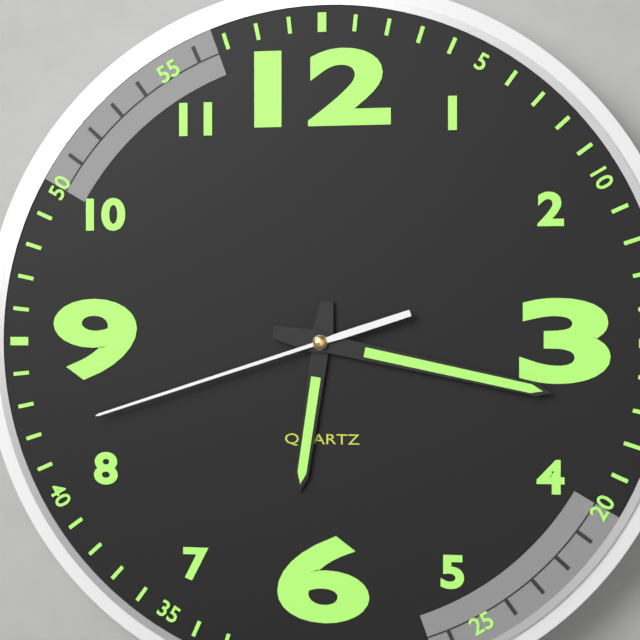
6:17:42
